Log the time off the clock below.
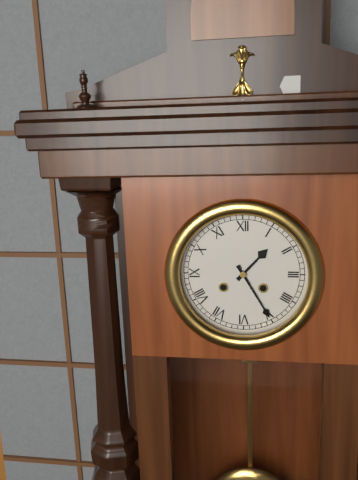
1:25
